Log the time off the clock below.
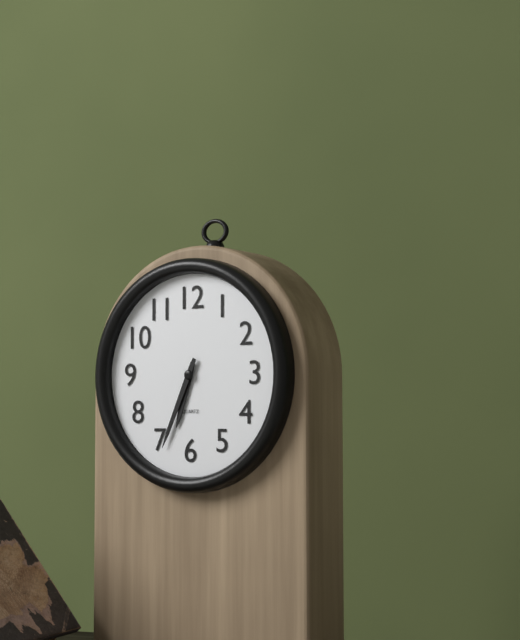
6:34
